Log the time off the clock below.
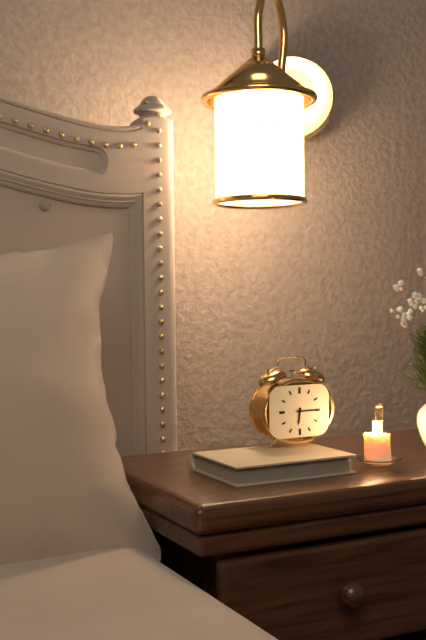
6:15
